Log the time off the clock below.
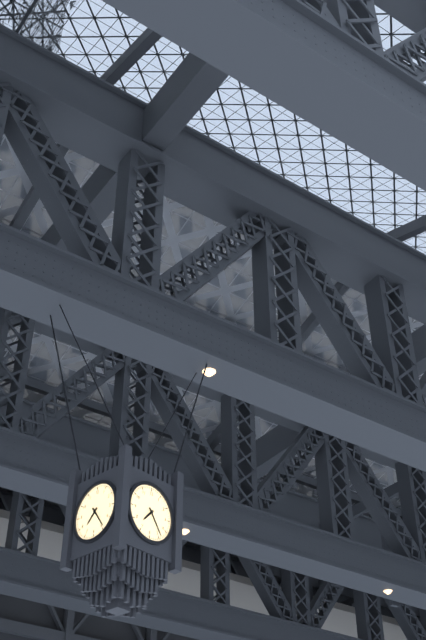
7:24
